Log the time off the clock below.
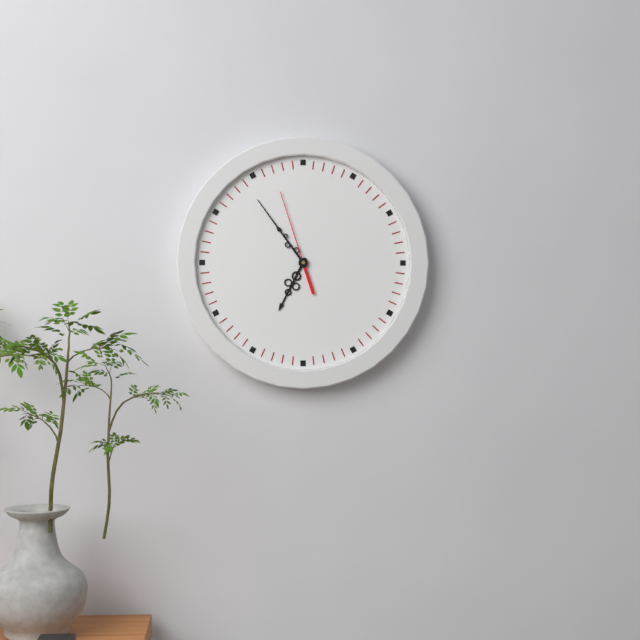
6:54:57
